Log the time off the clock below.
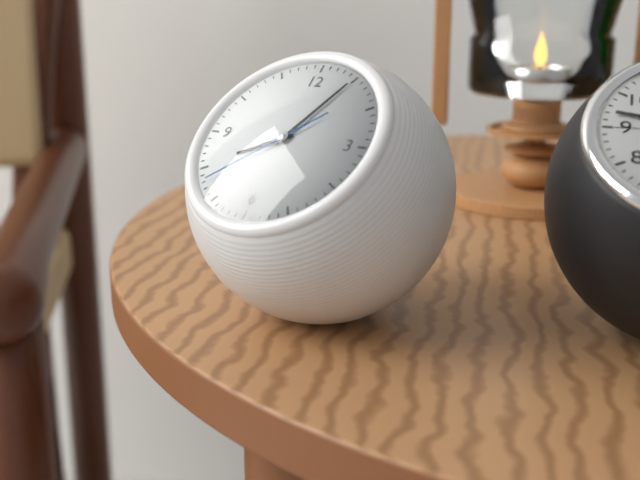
8:05:38
